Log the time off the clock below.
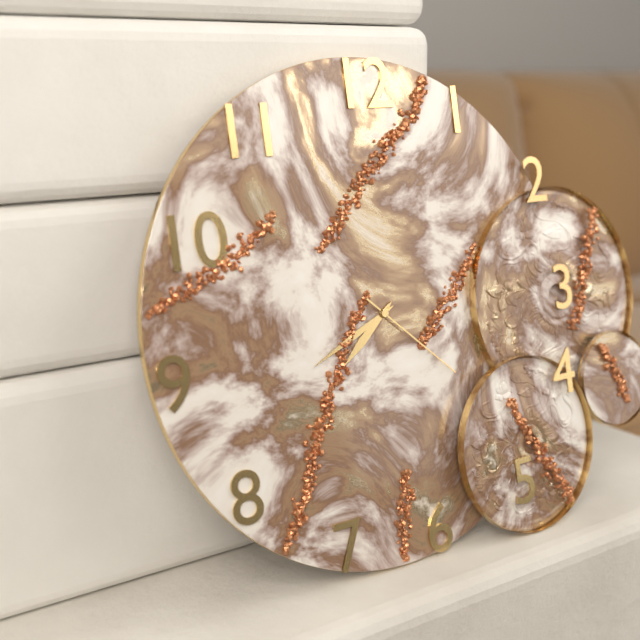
7:41:22
